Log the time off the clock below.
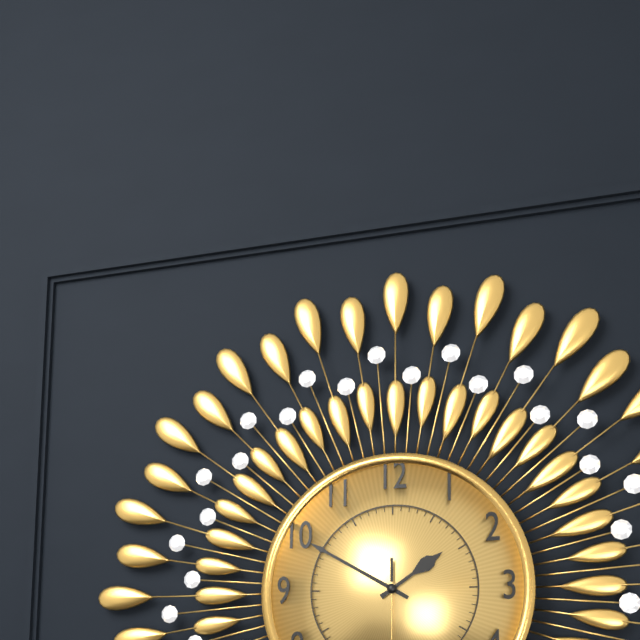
1:50
